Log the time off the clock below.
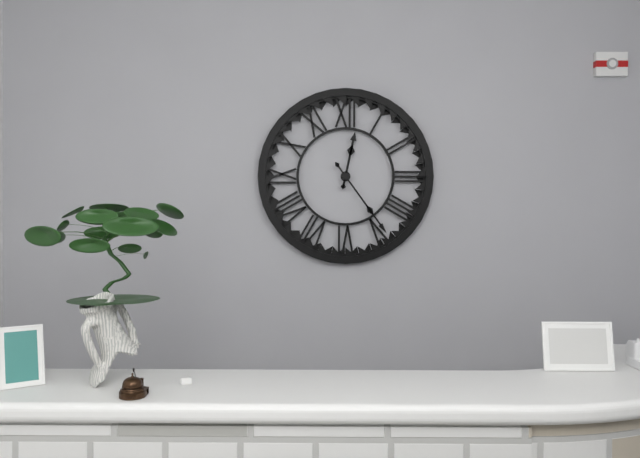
12:24
